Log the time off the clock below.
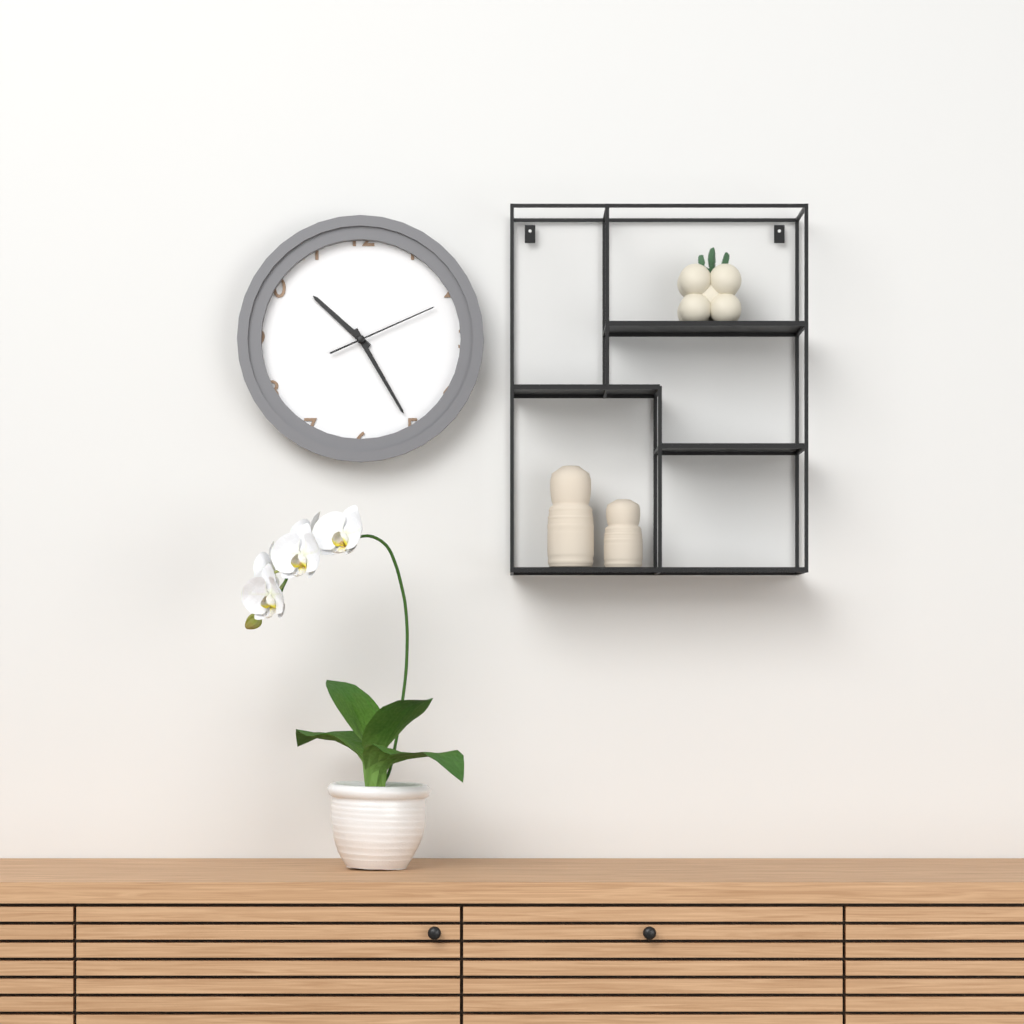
10:25:11
